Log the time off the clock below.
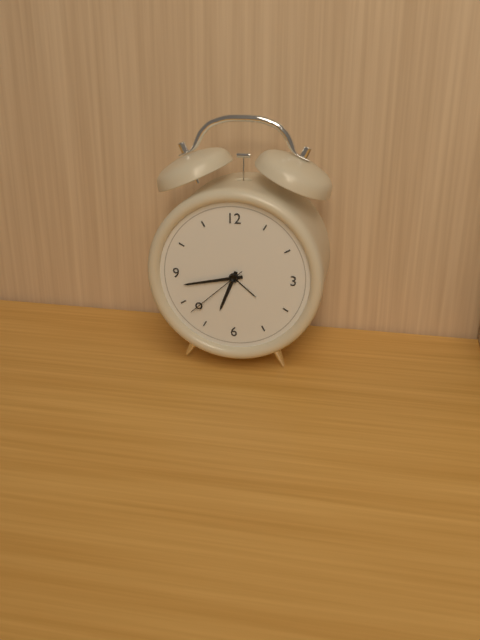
6:43:38
